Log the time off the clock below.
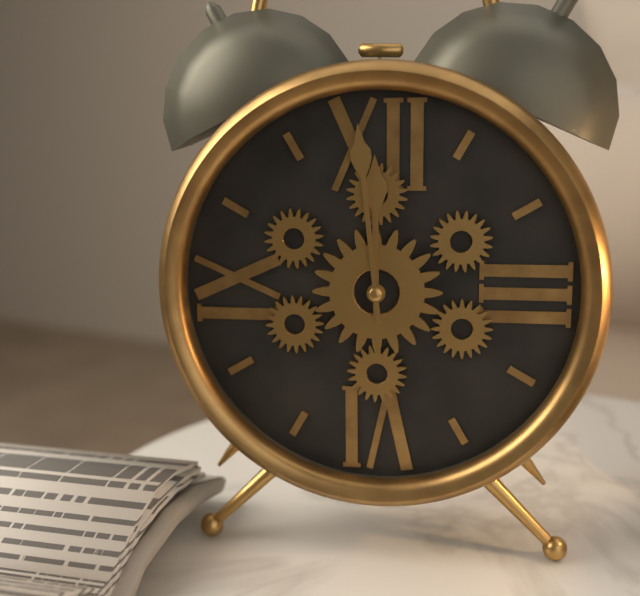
11:59
